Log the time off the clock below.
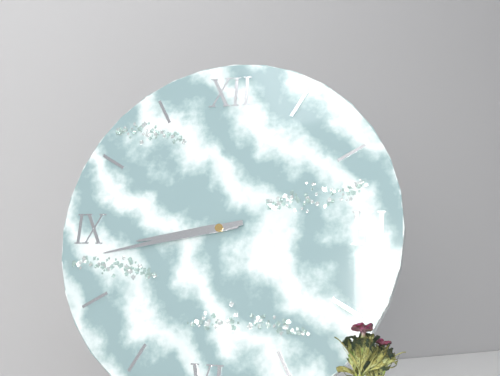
8:43
